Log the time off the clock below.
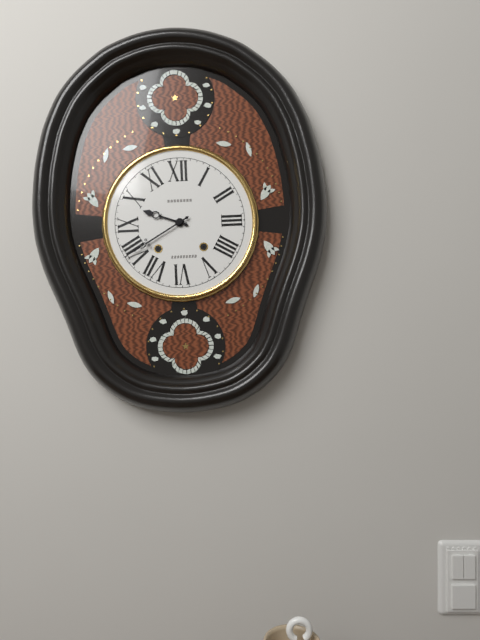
9:40
